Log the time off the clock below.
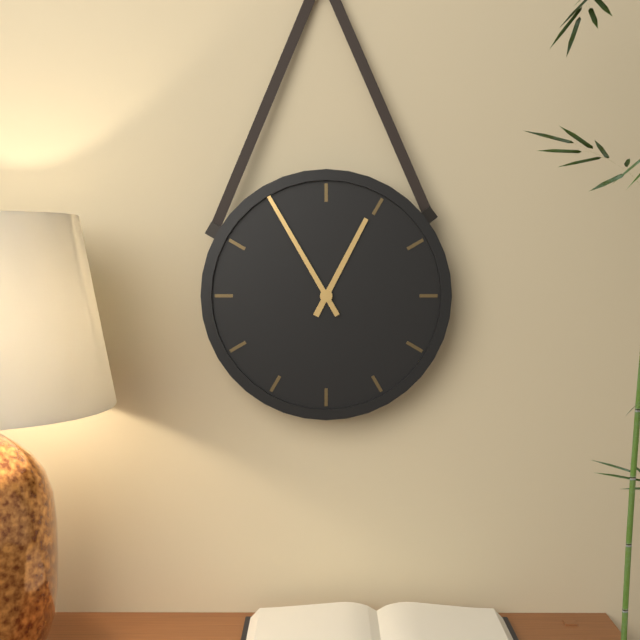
12:55
